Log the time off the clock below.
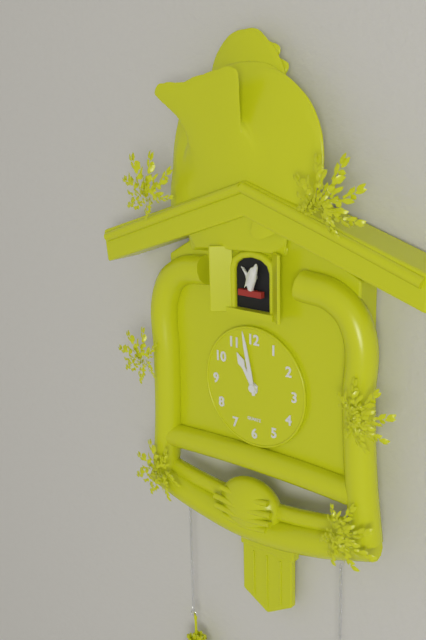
10:58
